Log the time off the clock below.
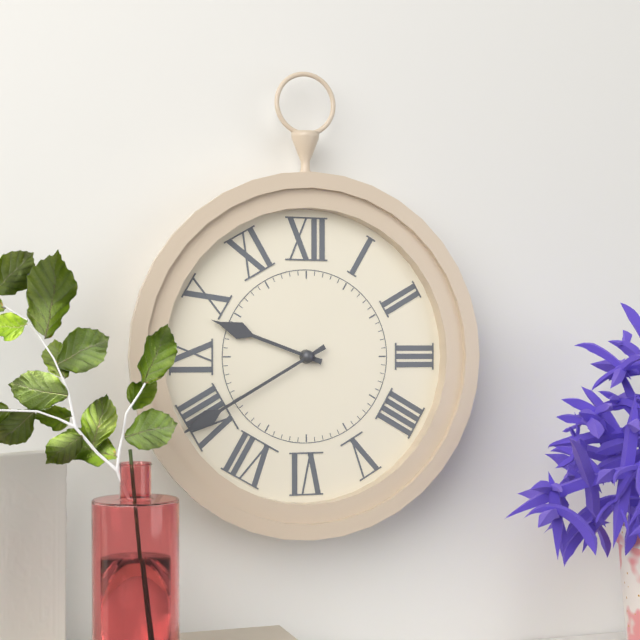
9:40
